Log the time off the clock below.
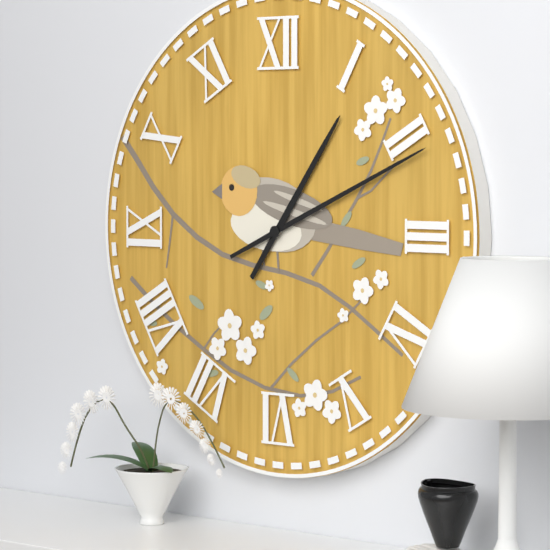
1:11
